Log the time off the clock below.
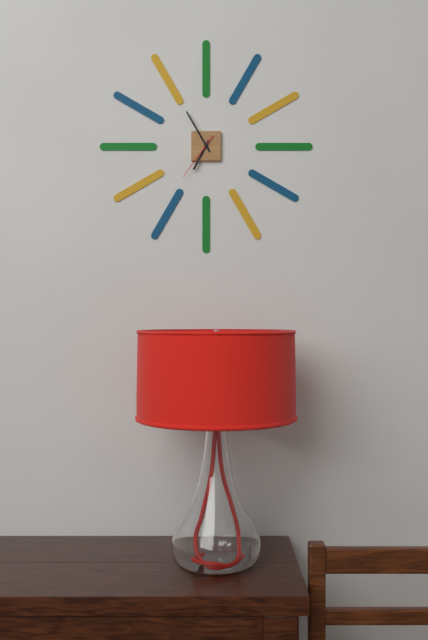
6:55
